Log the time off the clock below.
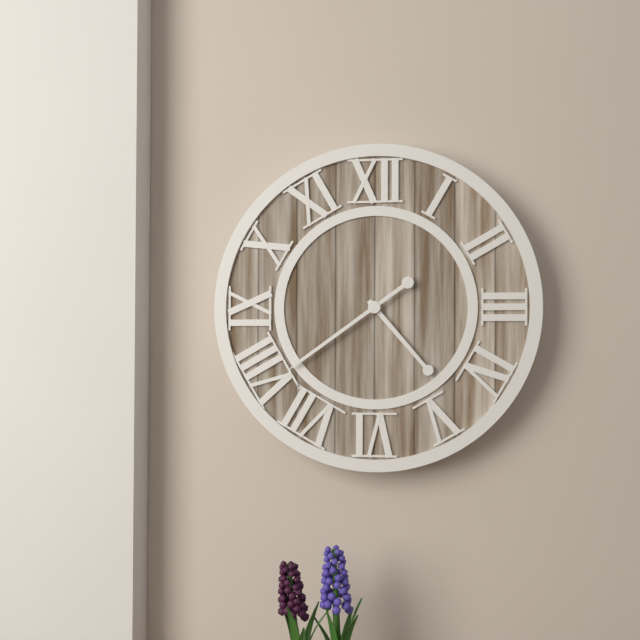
4:39
